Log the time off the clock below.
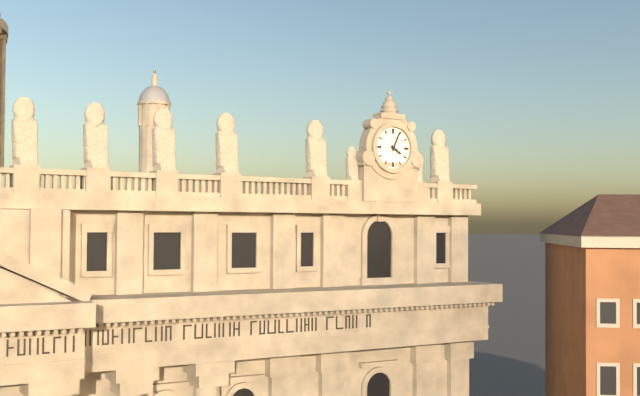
4:04
